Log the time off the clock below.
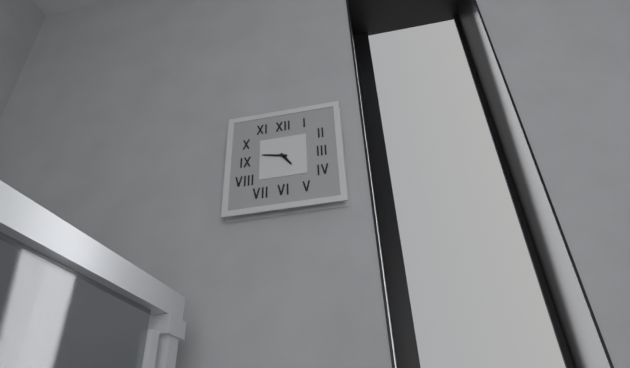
4:47
